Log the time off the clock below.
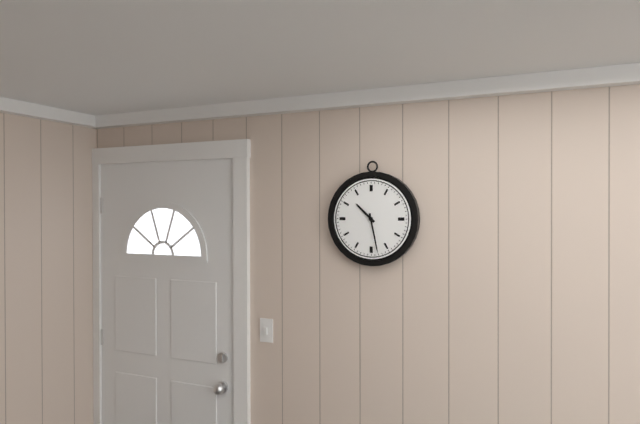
10:28
